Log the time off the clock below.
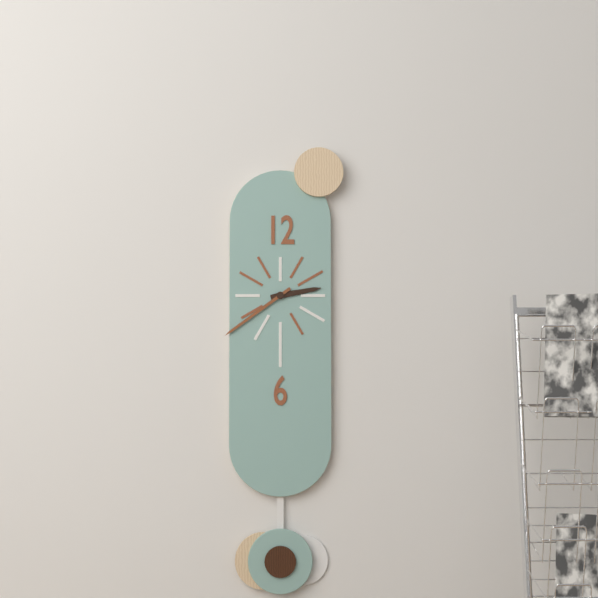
2:39
